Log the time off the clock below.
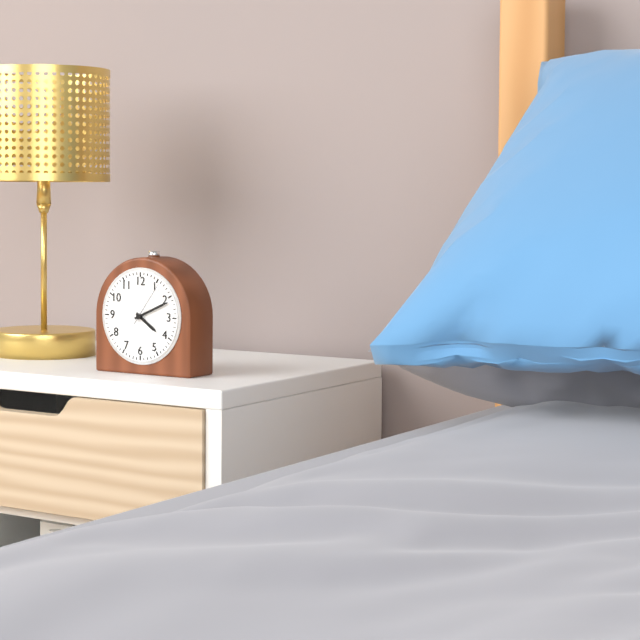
4:11
